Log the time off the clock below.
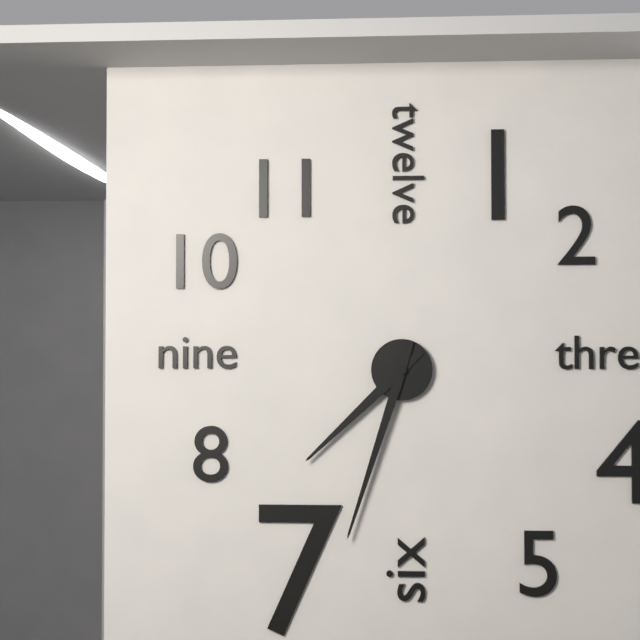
7:33
